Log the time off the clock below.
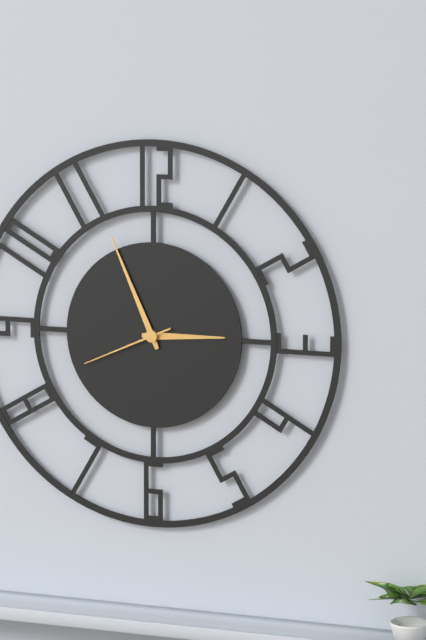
2:56:41
